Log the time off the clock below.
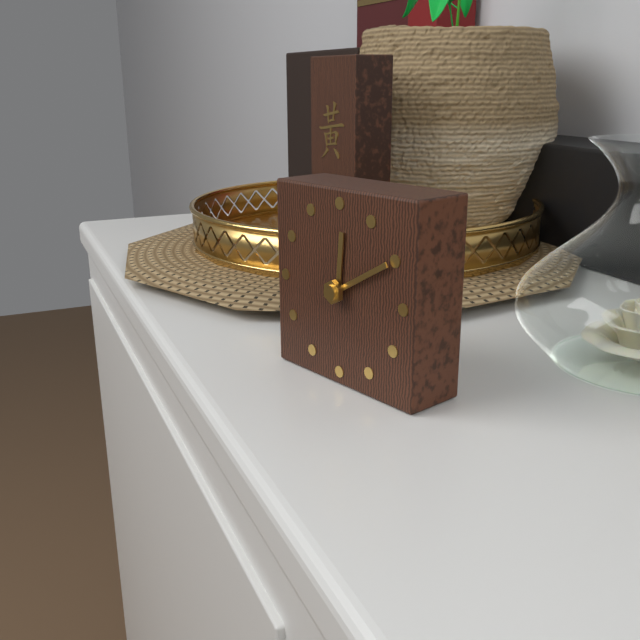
12:10
